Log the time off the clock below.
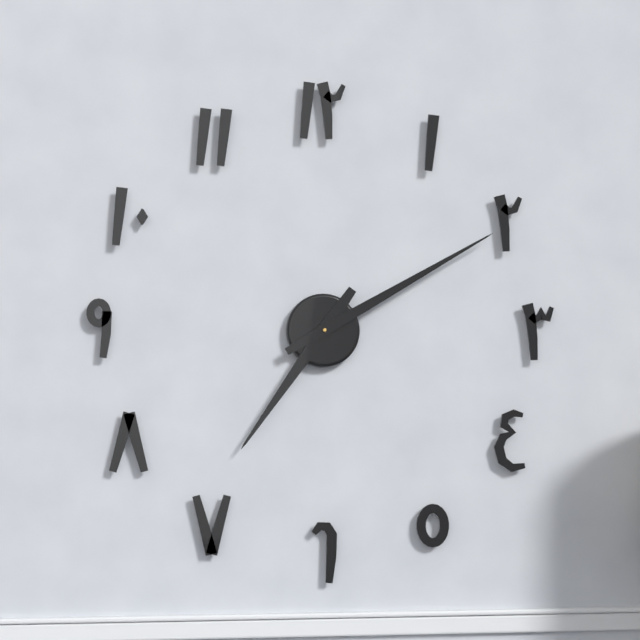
7:10
